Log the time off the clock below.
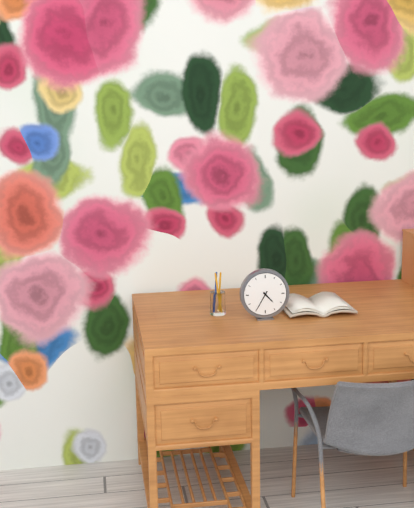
4:35
